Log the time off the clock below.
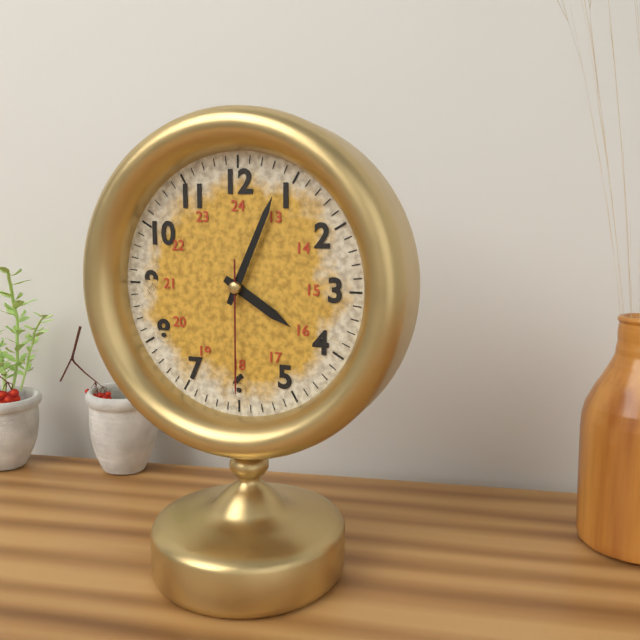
4:04:30
